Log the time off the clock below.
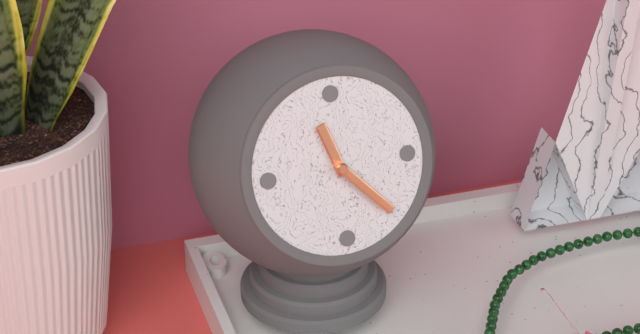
11:23
